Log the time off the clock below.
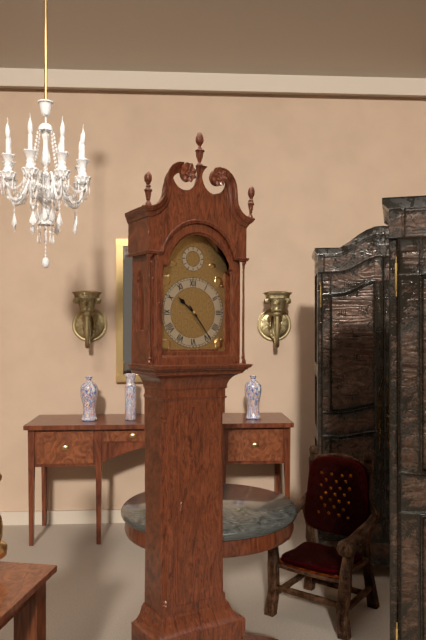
10:24
